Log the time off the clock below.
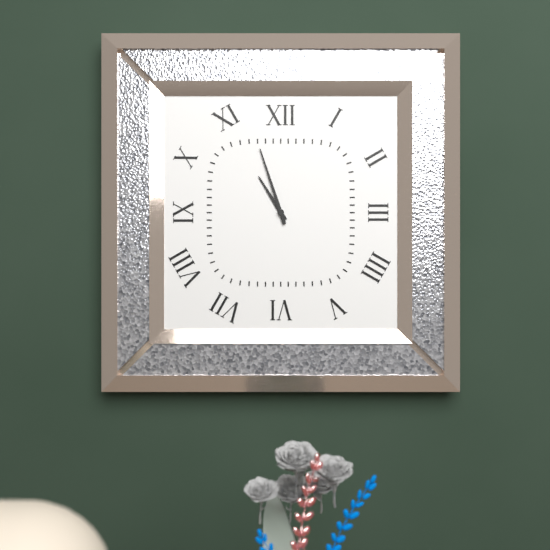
10:57
